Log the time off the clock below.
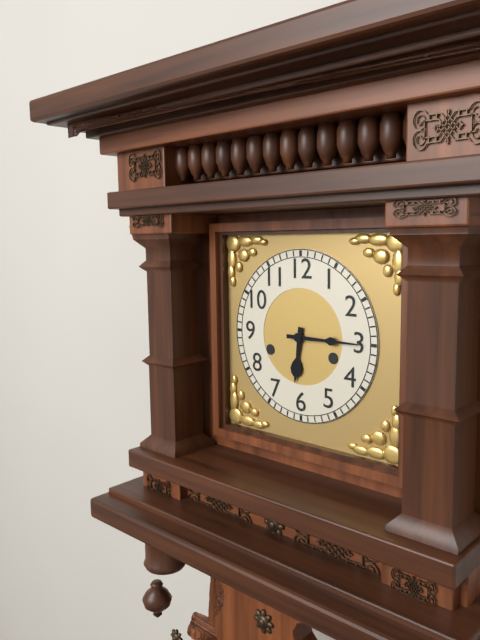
6:15
